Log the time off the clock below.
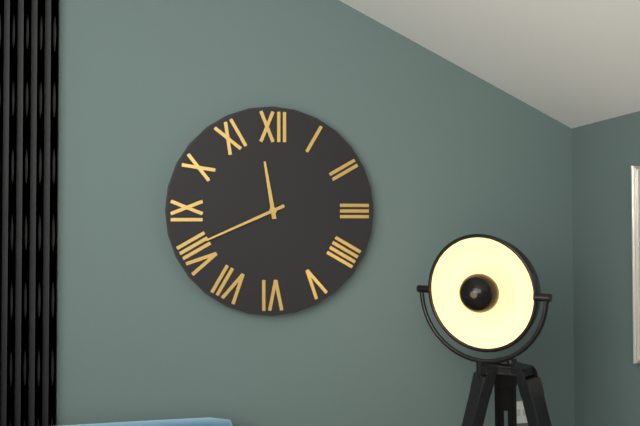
11:41
